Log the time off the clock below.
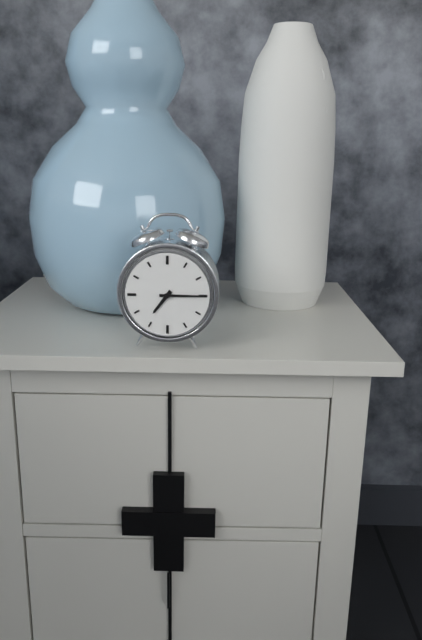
7:15
